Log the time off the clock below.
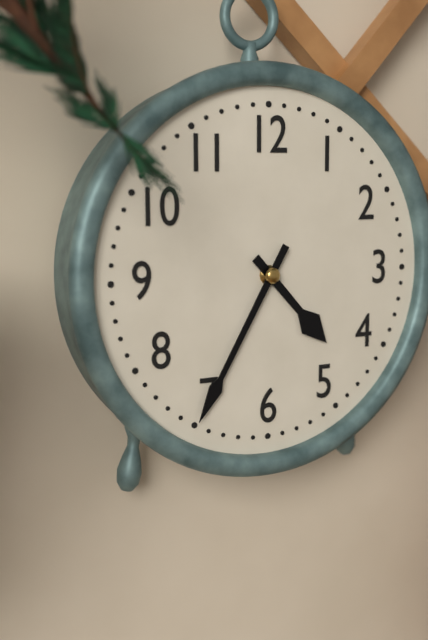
4:35
